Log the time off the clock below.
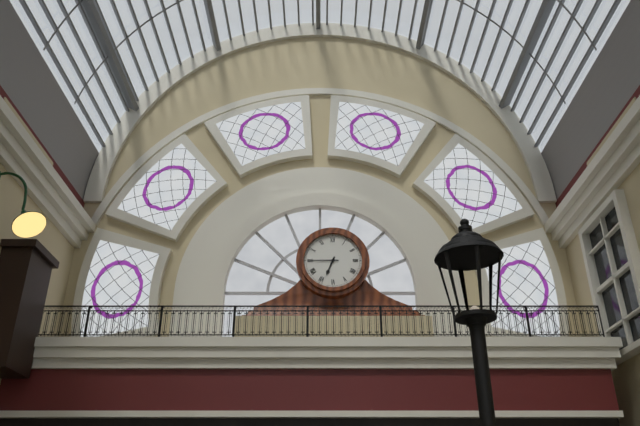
6:45
